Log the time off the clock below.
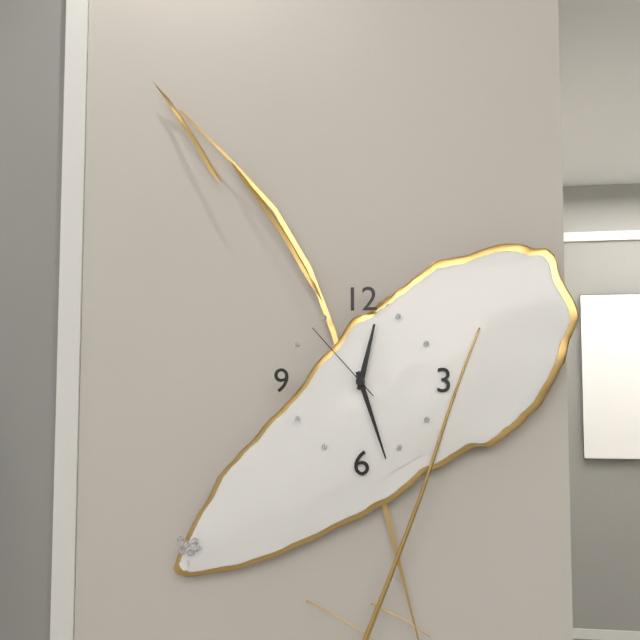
12:27:53
